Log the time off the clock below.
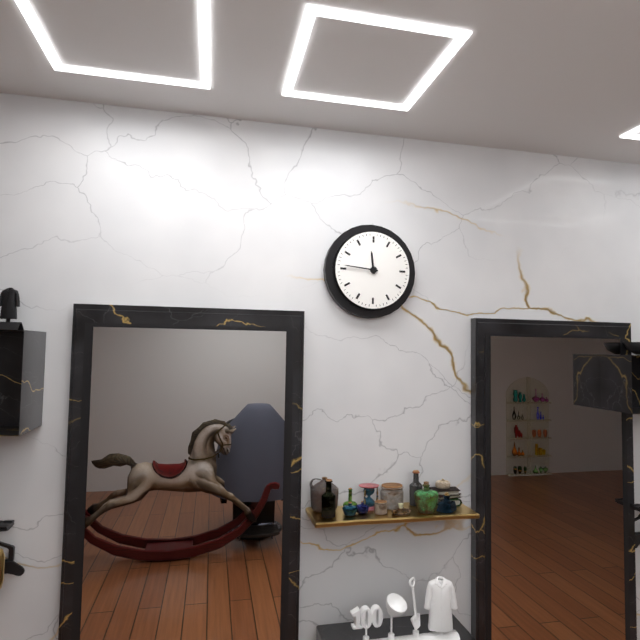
11:46
